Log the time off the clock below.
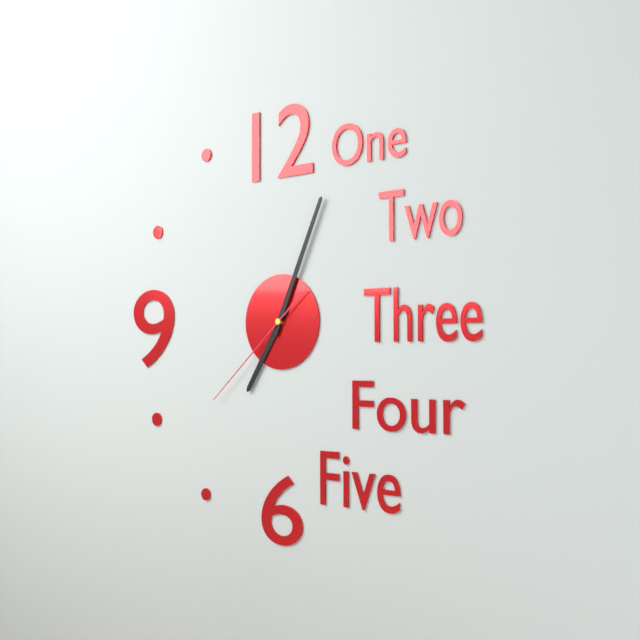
7:04:38
